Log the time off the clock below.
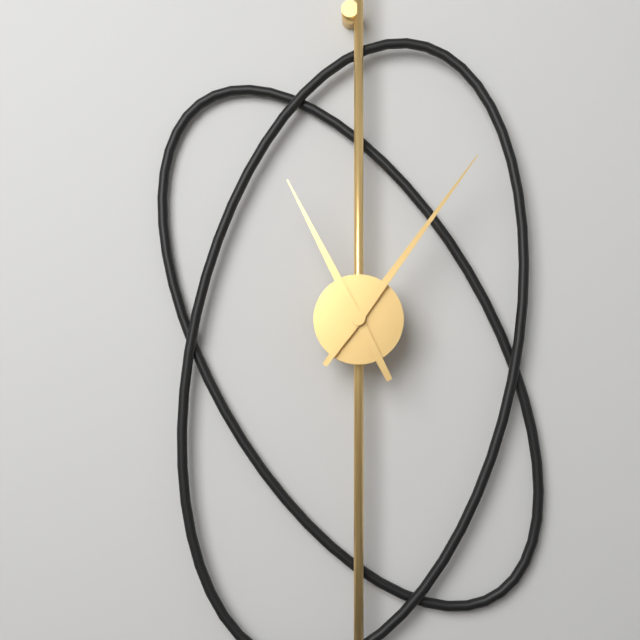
11:06
